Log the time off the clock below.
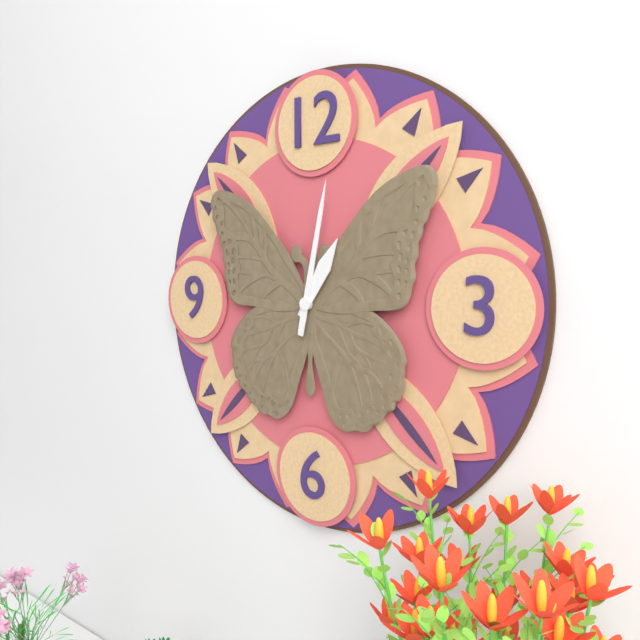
1:02
